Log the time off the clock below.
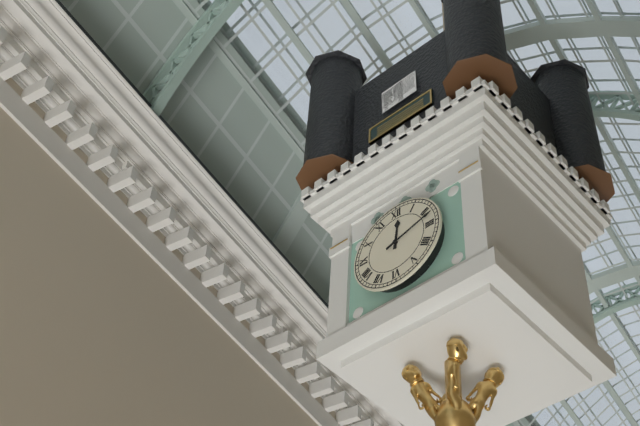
12:12
